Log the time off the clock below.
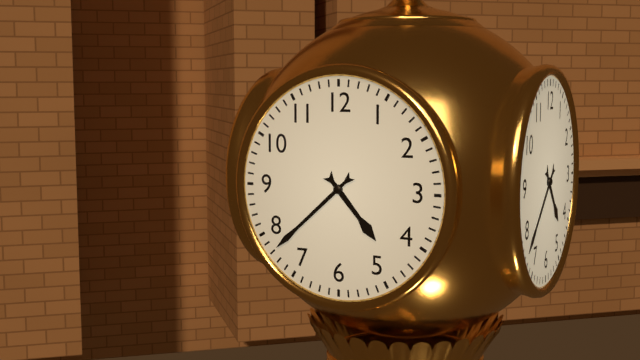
4:38
